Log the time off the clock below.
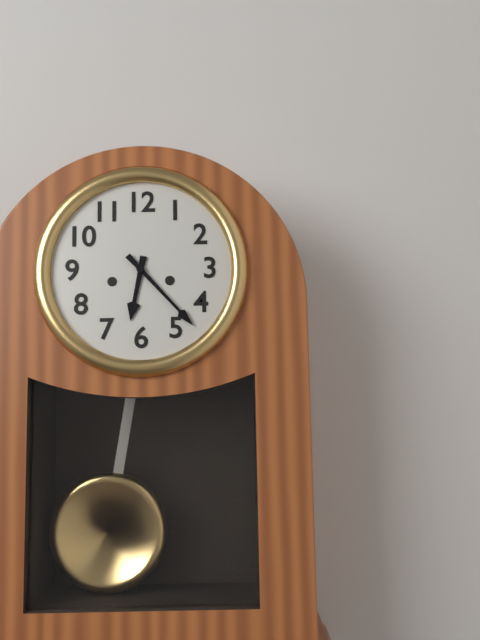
6:23
